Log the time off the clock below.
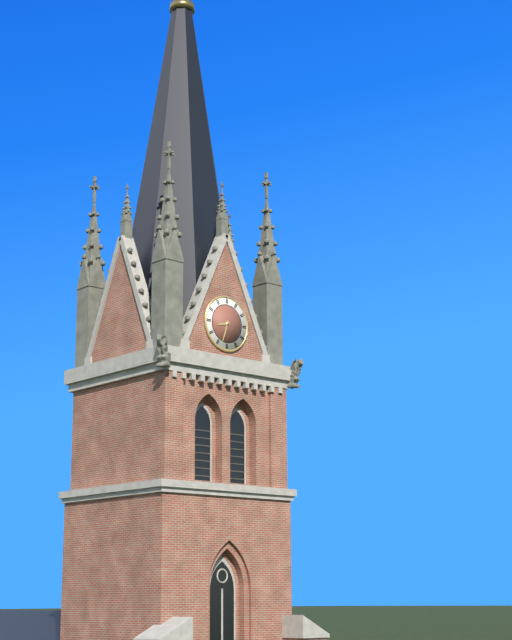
8:33
